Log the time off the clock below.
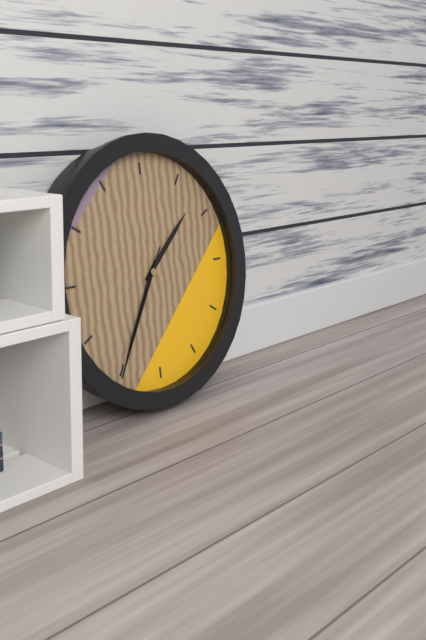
1:35:35
